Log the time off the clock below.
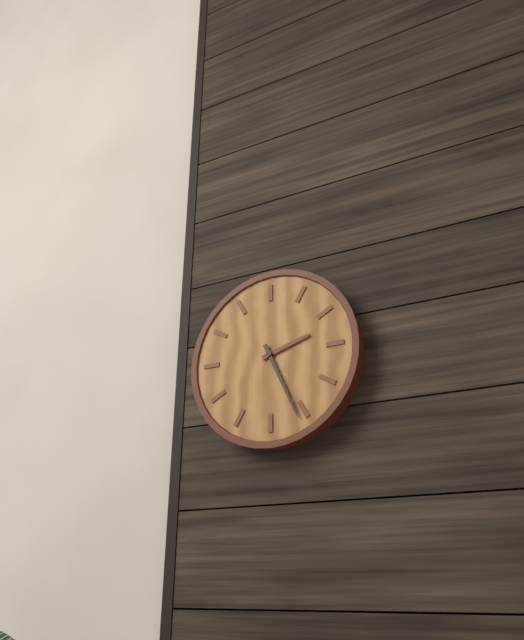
2:26
